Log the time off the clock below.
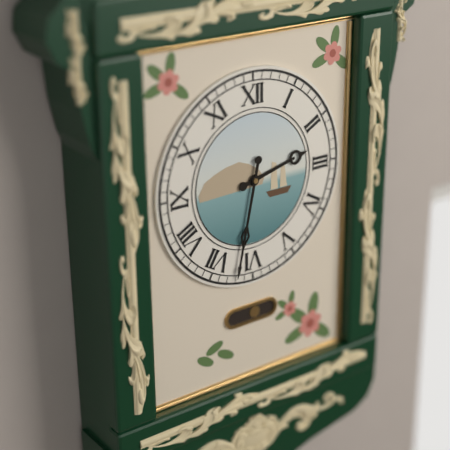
2:32
